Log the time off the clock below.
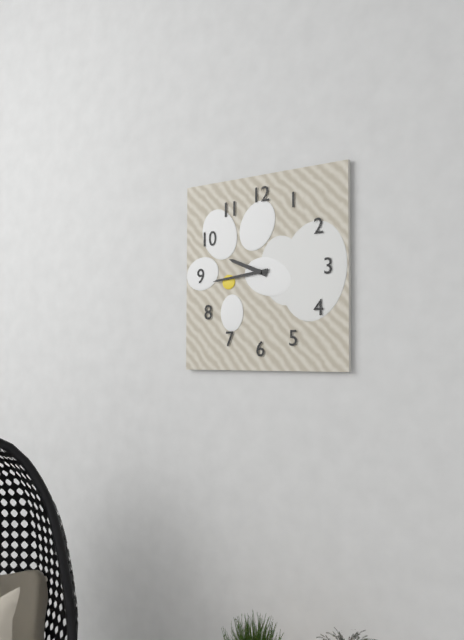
9:44
